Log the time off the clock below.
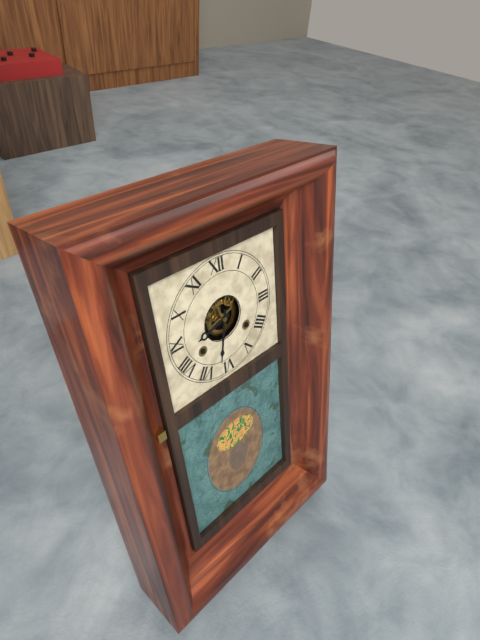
8:32
